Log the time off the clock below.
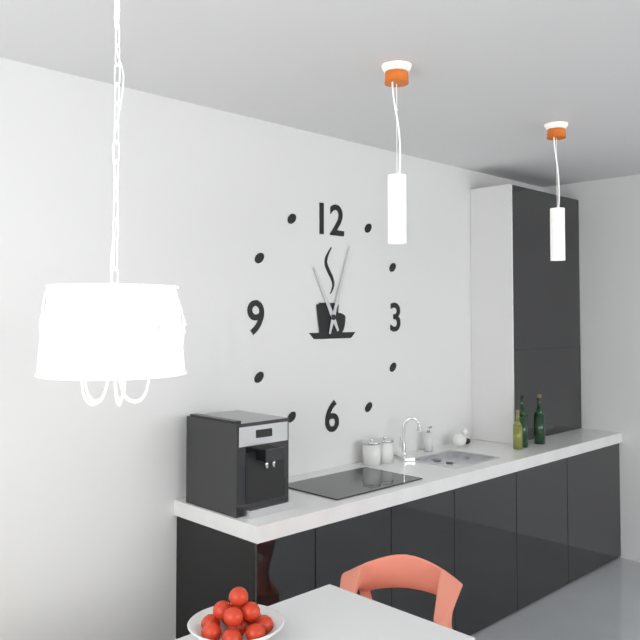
11:03
